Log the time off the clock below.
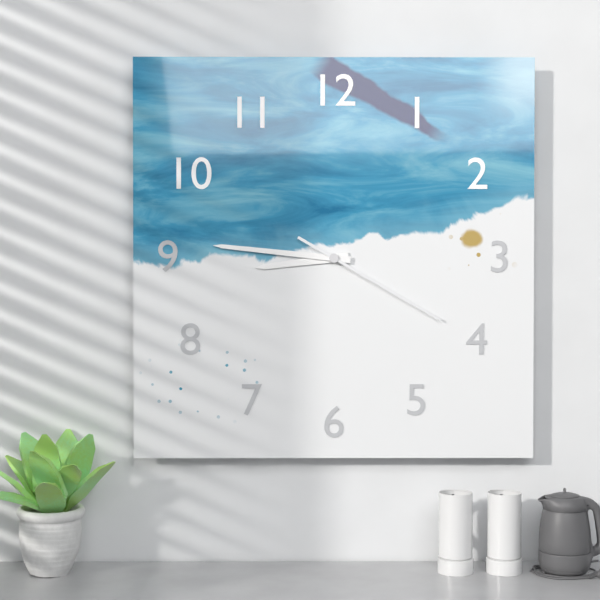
8:46:20
